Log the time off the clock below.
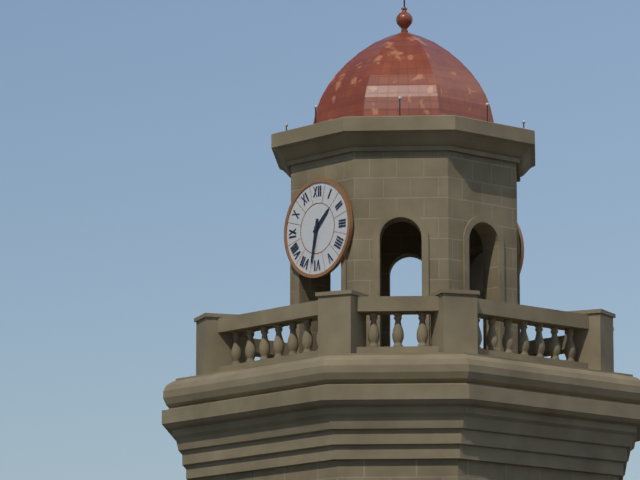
1:32
